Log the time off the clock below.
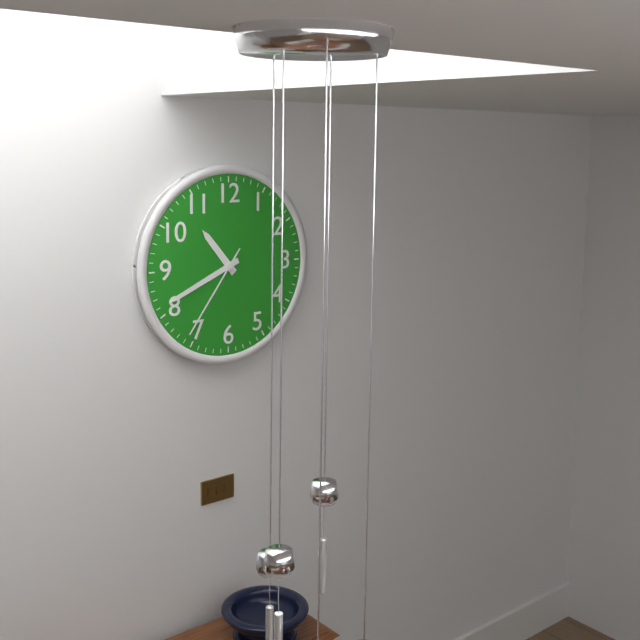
10:41:36
